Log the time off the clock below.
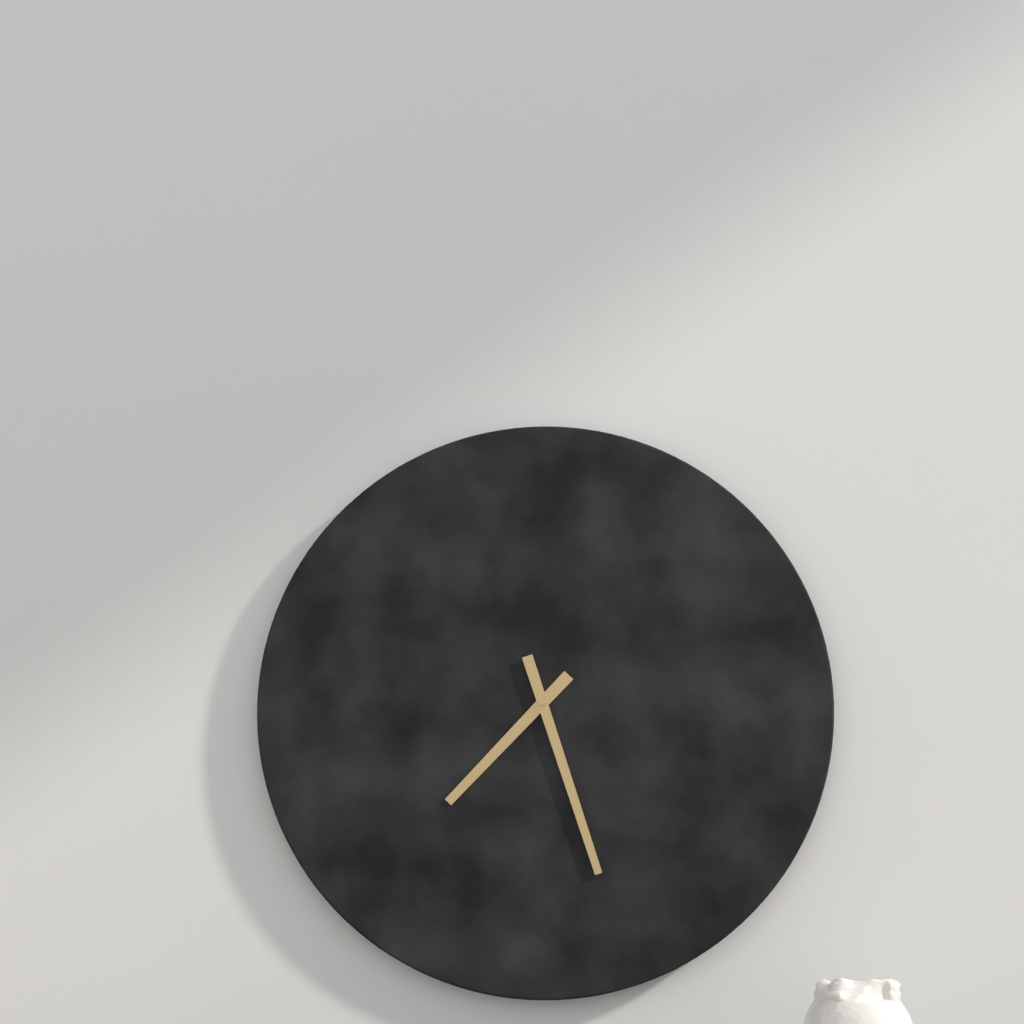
7:27
